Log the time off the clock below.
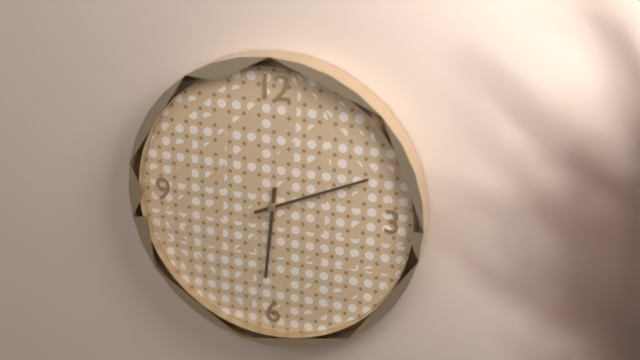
6:11
